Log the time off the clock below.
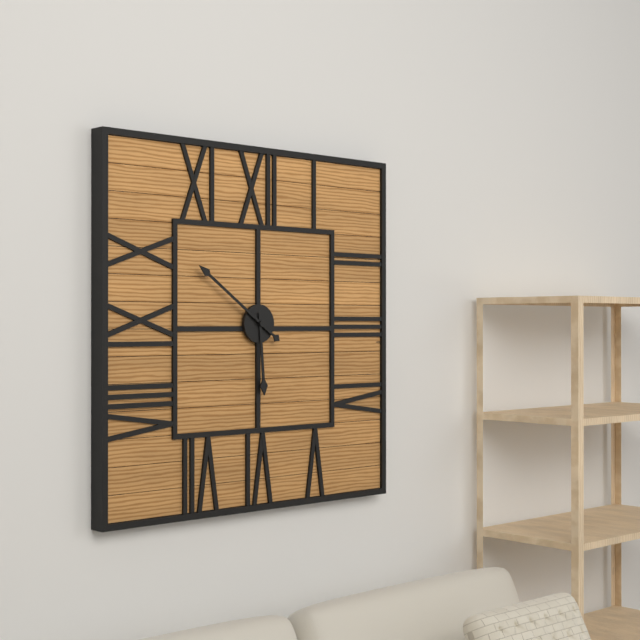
5:51
